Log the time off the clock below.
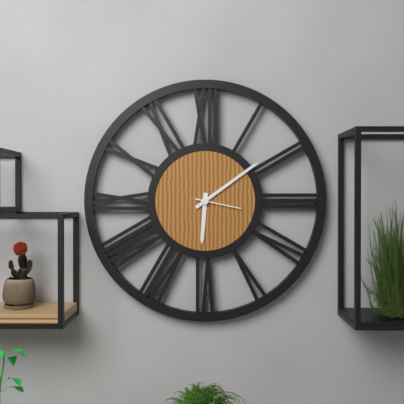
6:09
